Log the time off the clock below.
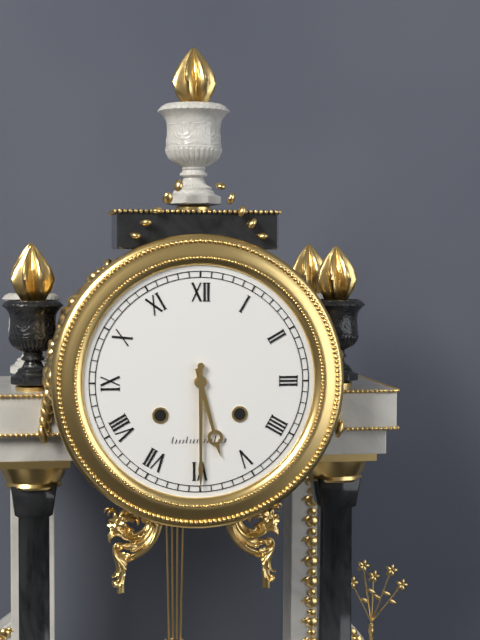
5:30
